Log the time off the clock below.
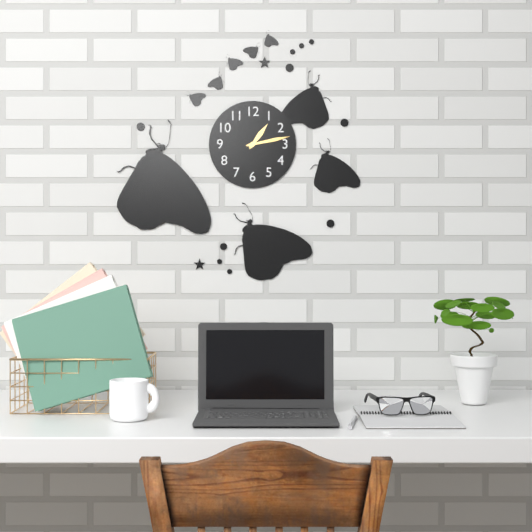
1:13
